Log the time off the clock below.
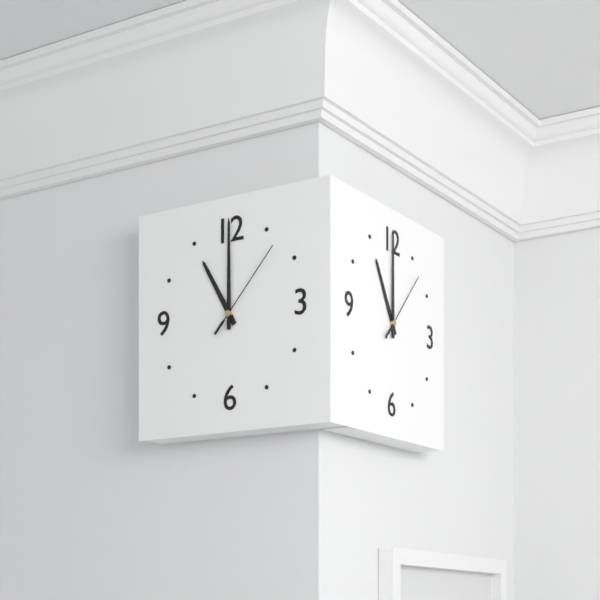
11:00:07
